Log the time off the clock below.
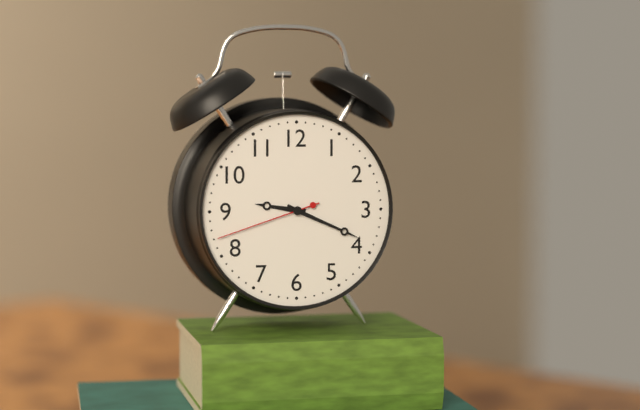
9:19:42
